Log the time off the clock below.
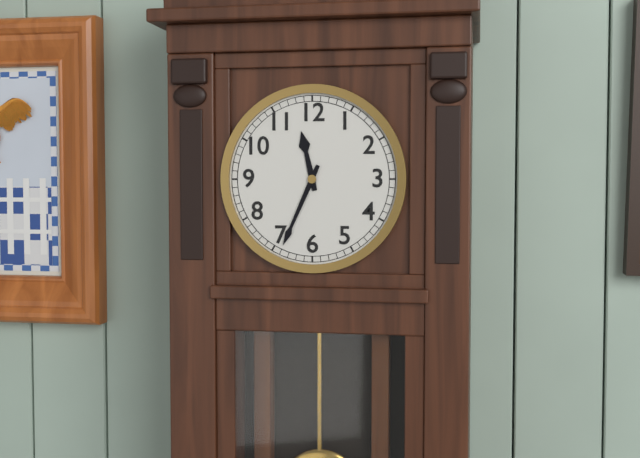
11:34
